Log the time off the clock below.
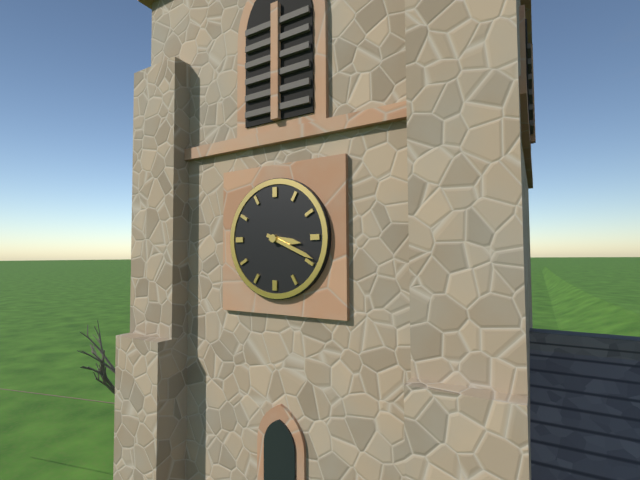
3:19
